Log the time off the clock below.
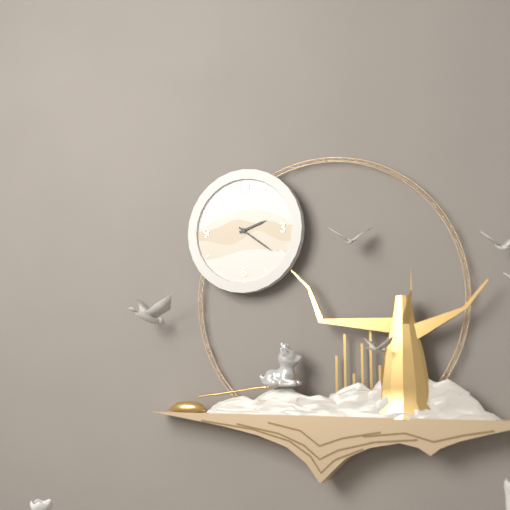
2:21
